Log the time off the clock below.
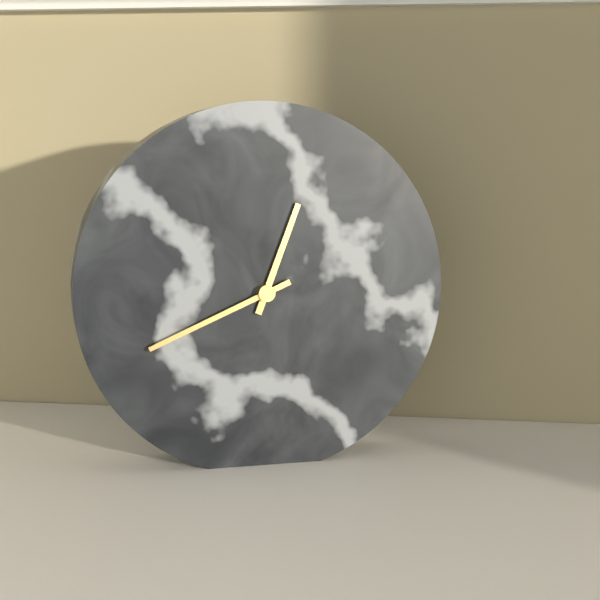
12:41
